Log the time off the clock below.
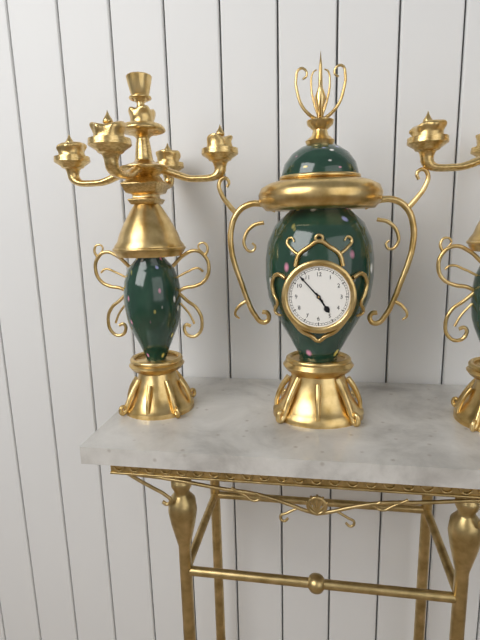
4:53
